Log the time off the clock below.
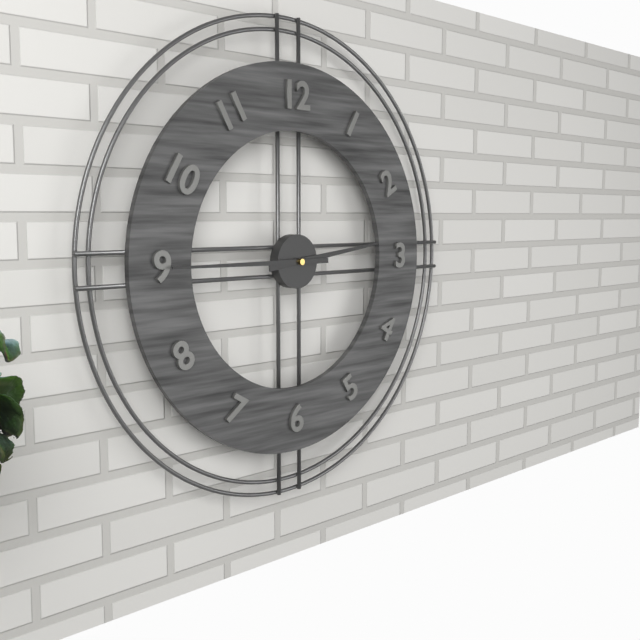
2:45
